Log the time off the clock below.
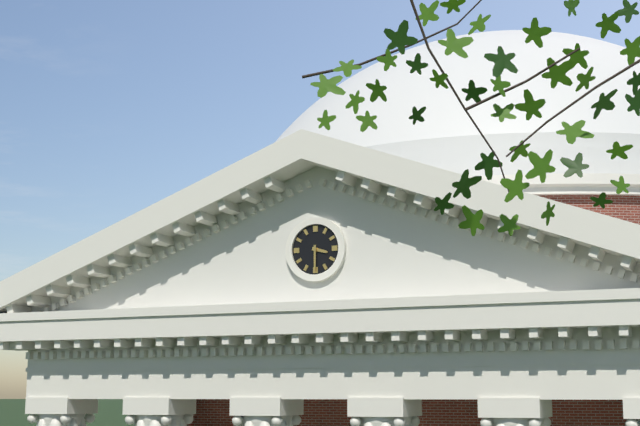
3:30
